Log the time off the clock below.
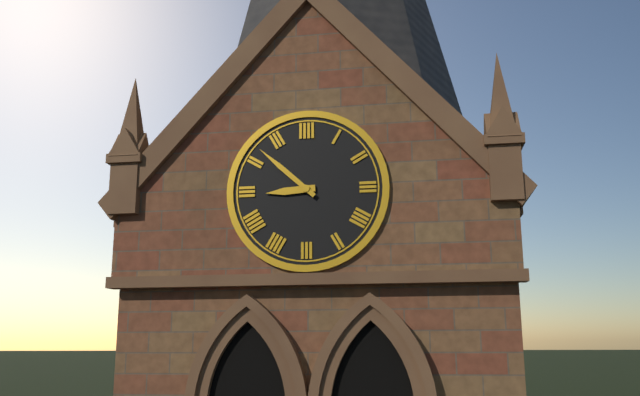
8:52
